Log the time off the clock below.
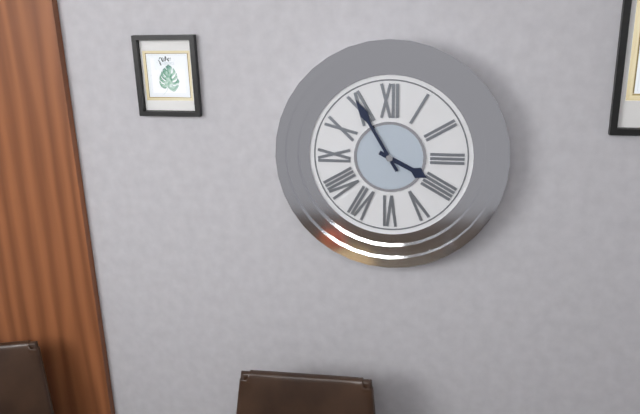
3:55
